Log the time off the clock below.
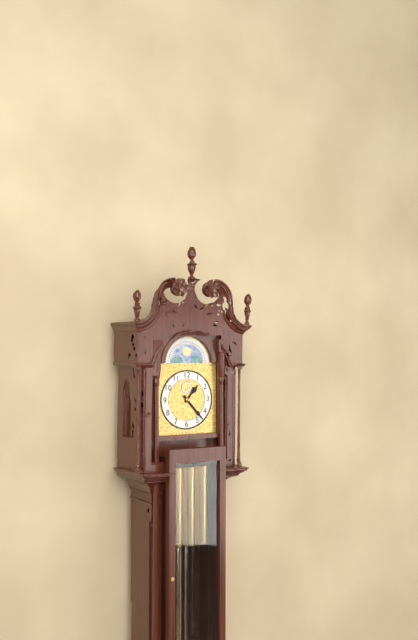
1:23
